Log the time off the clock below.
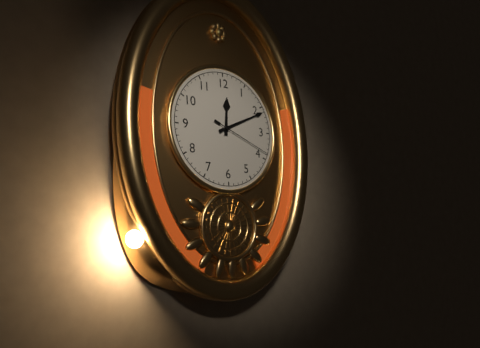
12:11:19
